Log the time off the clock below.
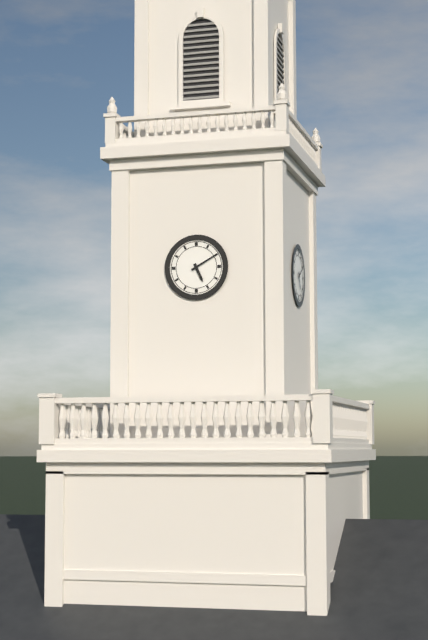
5:10
